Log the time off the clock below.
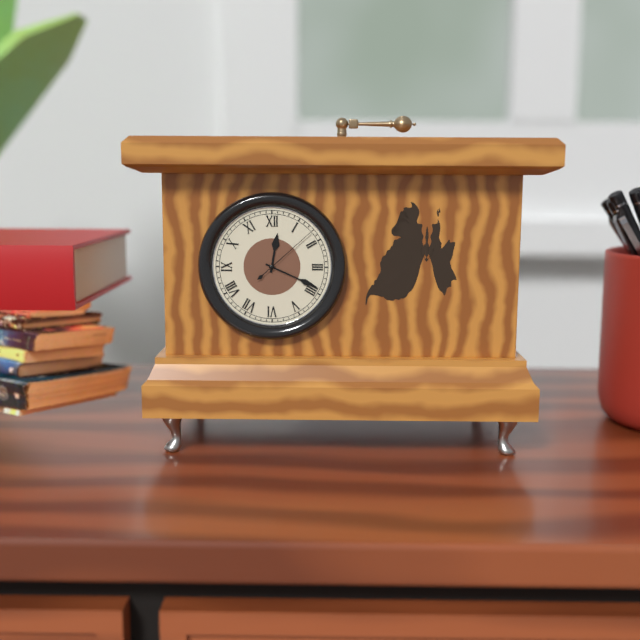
12:19:08
